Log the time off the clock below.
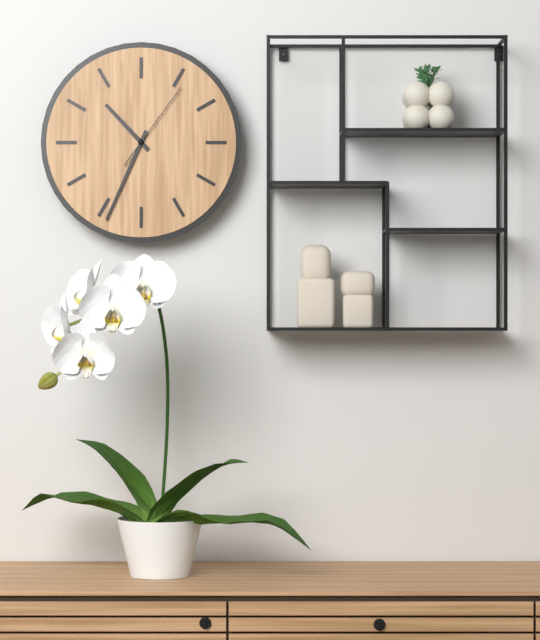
10:34:06
